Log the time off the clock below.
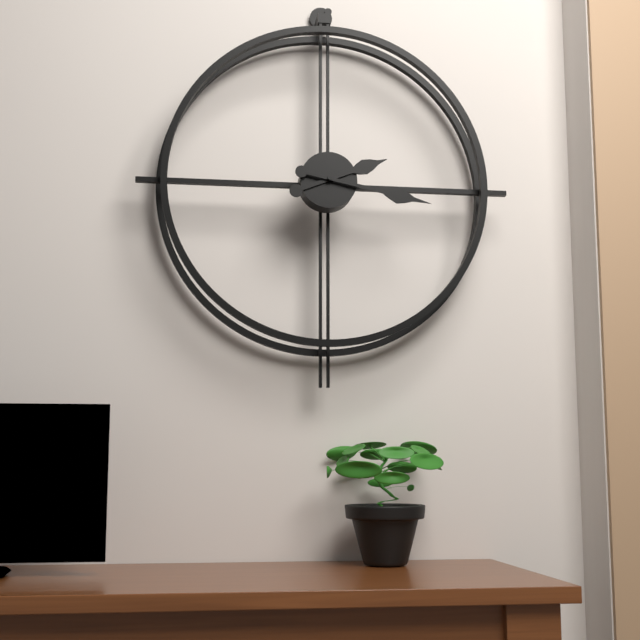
2:17
